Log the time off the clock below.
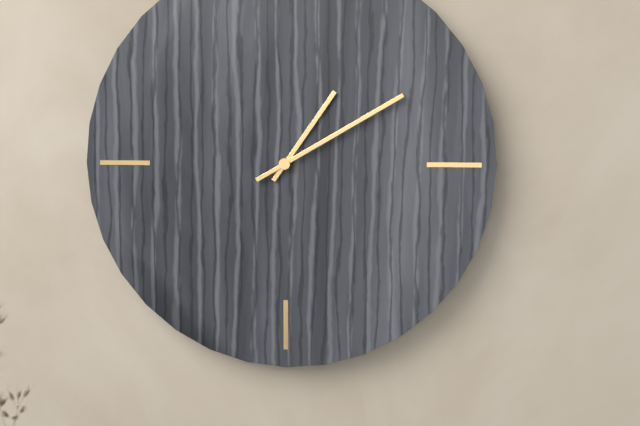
1:10
